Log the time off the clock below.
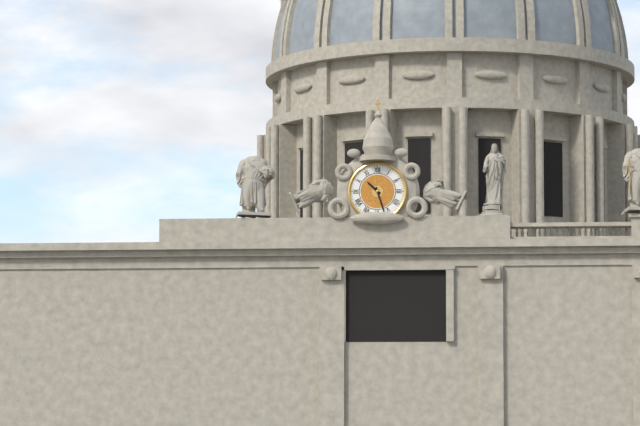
10:27
